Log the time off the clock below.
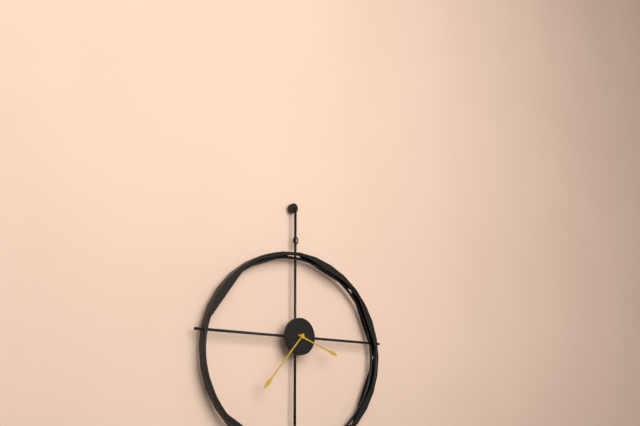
3:37
